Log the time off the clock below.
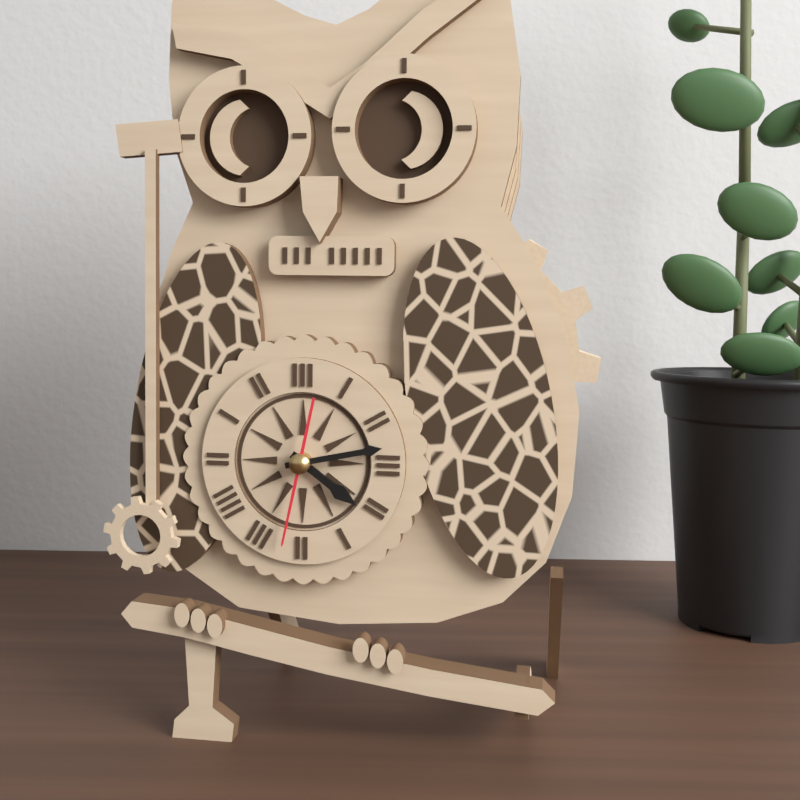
4:13:32
